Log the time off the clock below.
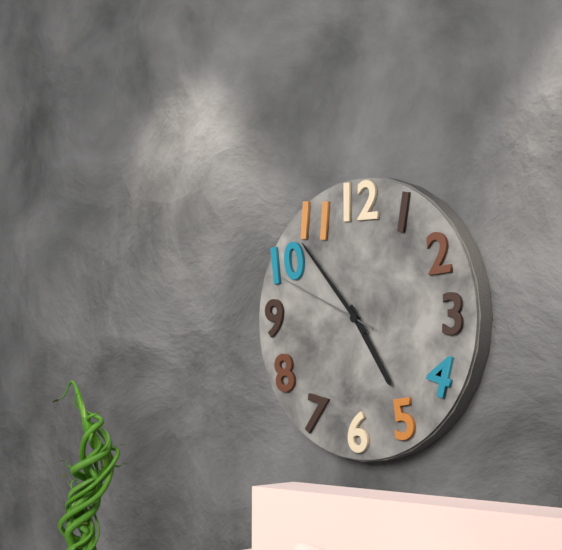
4:53:49
